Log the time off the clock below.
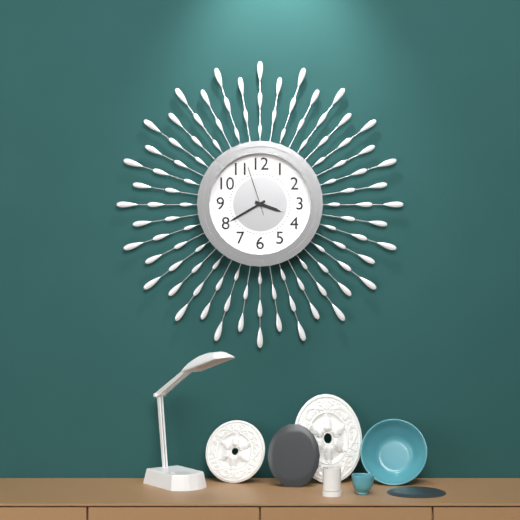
3:40
